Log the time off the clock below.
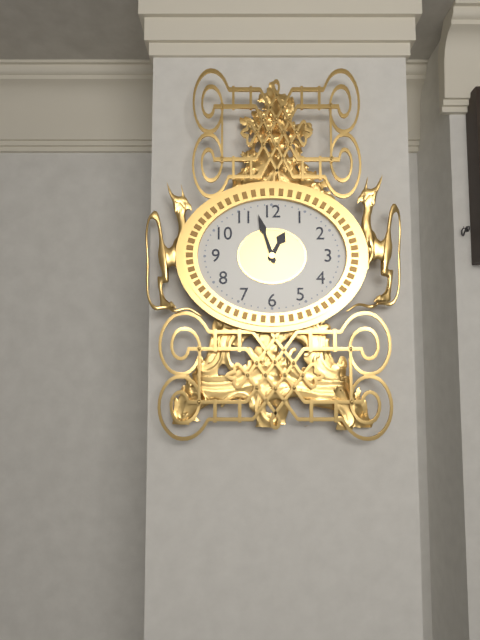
12:57
